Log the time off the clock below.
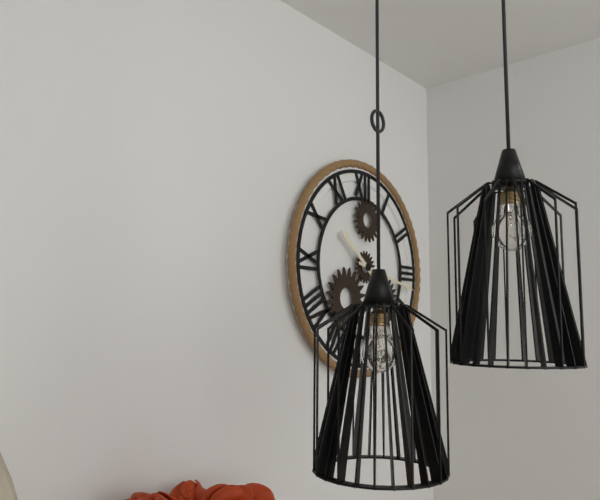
10:17
